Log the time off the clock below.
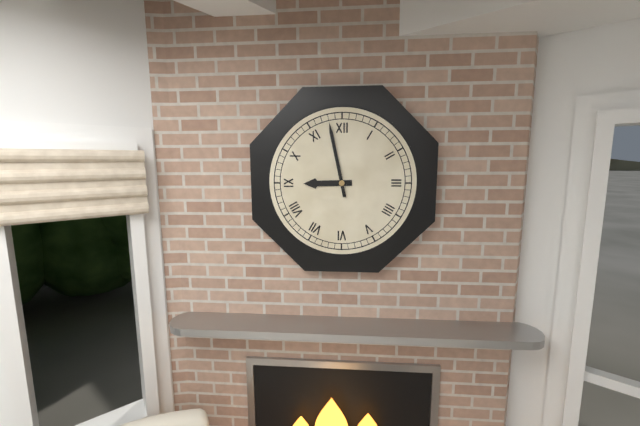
8:58
